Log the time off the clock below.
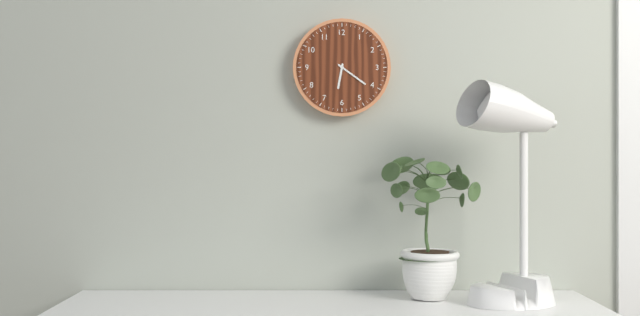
6:21
